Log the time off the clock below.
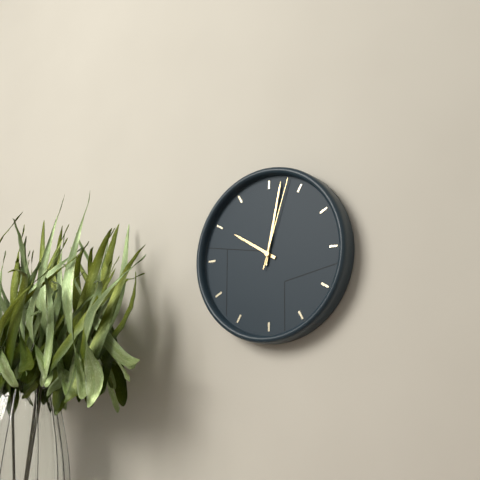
10:02:03
